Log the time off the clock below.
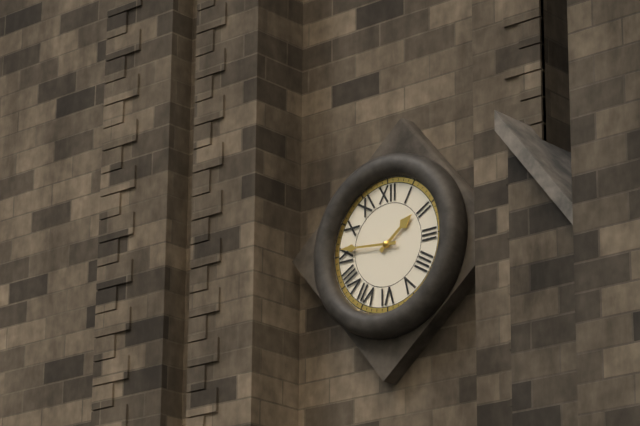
1:46
